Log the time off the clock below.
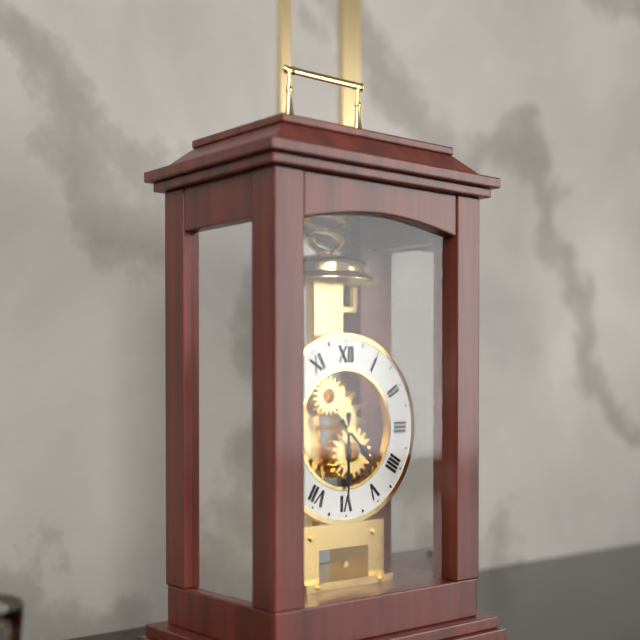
4:30
